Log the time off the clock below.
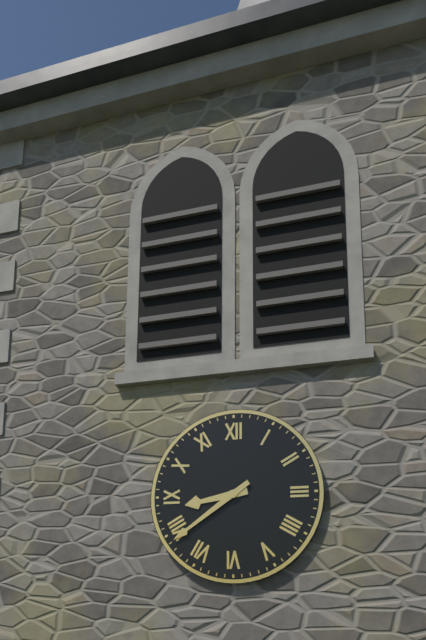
8:39
